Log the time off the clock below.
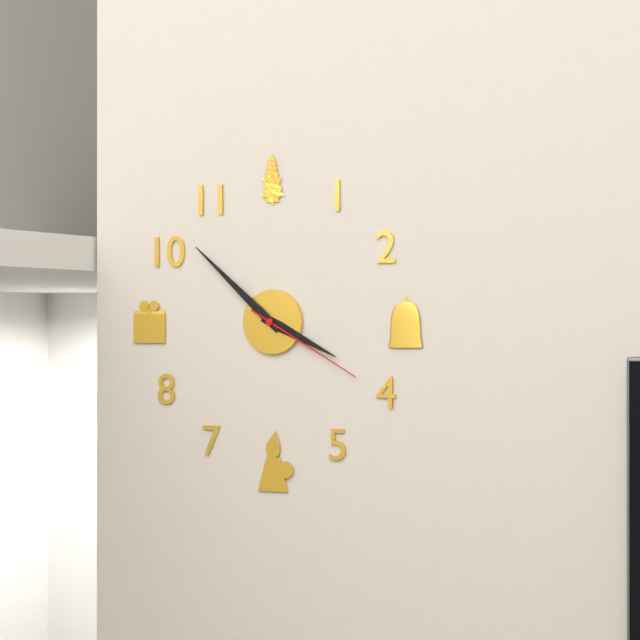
3:52:20
